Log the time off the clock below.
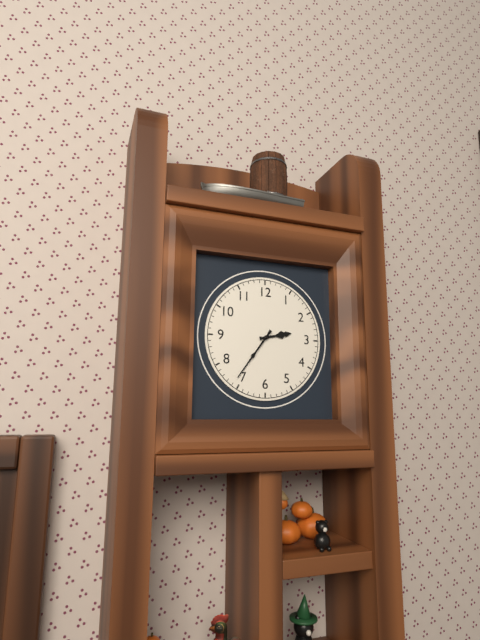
2:36
